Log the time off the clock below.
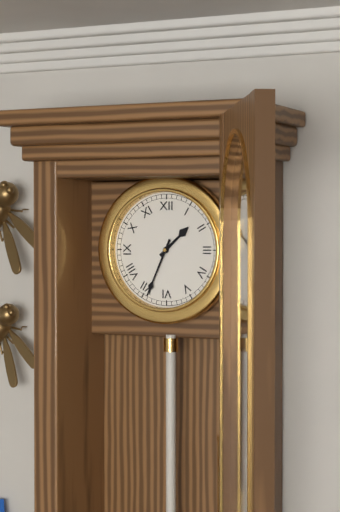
1:34
